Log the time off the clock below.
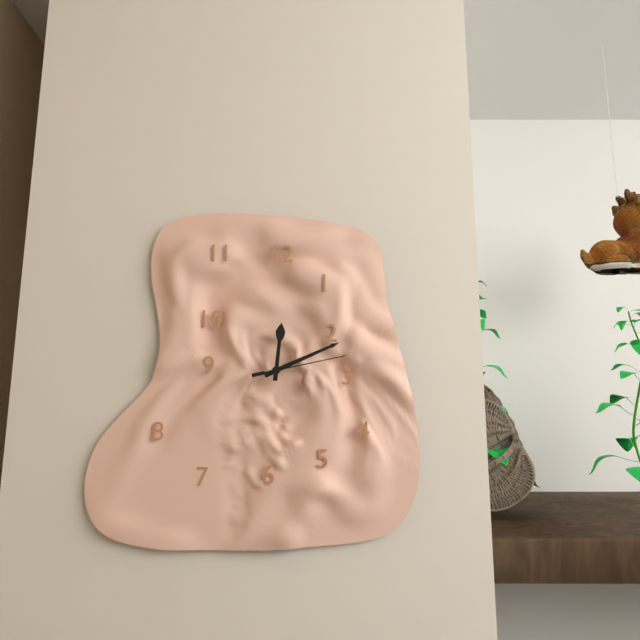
12:11:13
